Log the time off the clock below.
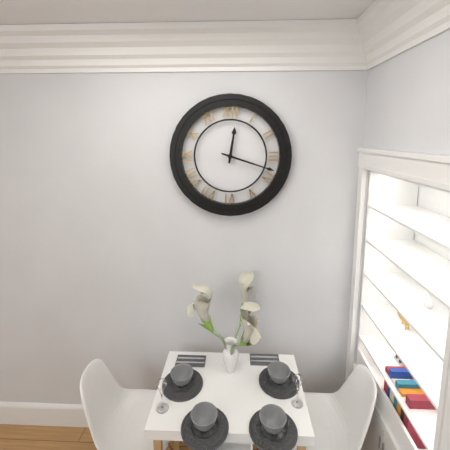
12:18
